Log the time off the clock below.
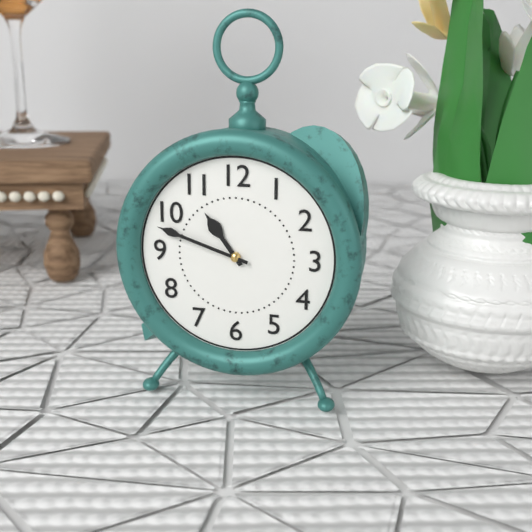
10:48
